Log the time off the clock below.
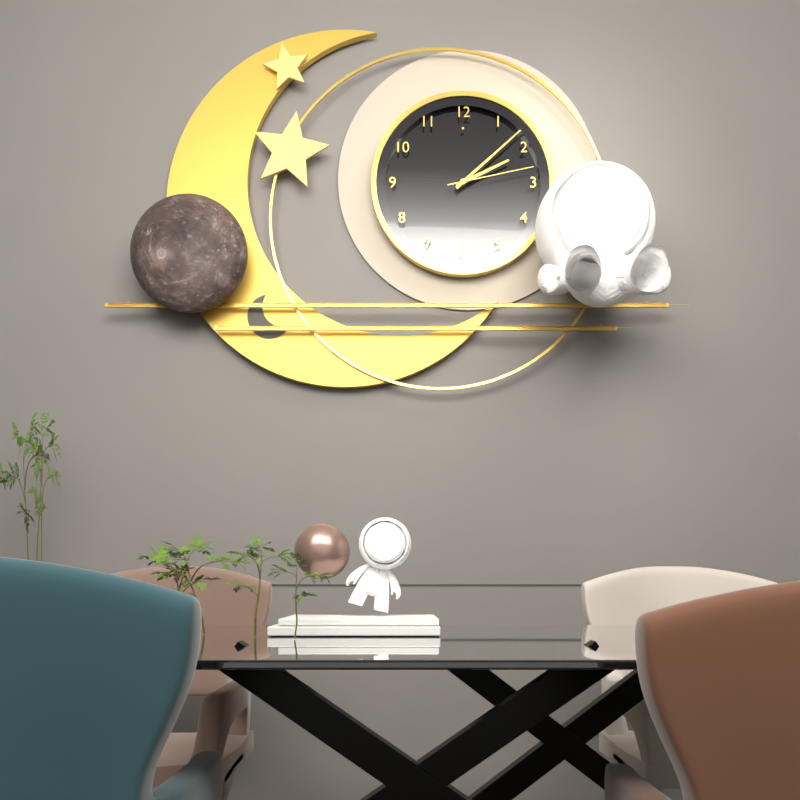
2:08:13
